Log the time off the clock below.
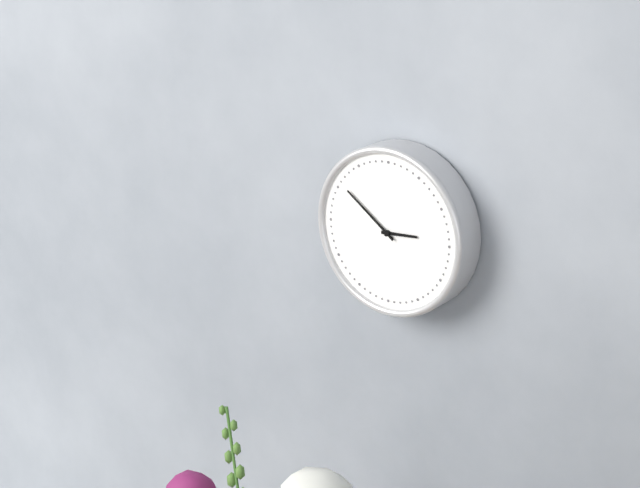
2:51
